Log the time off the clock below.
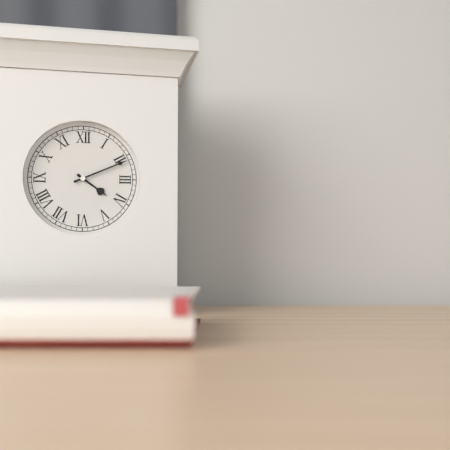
4:11
